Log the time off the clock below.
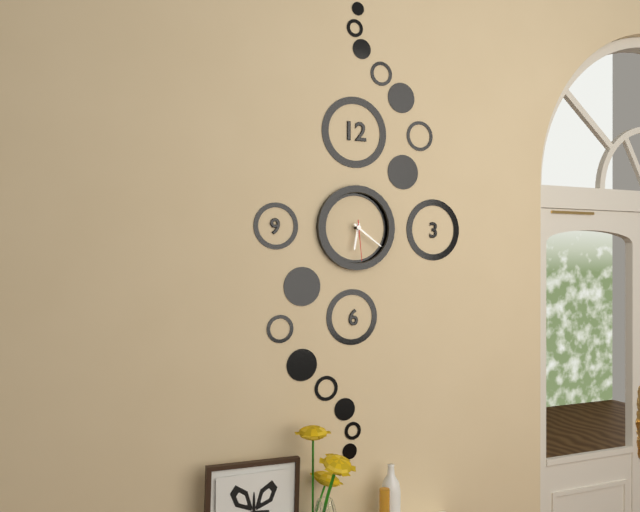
6:21
